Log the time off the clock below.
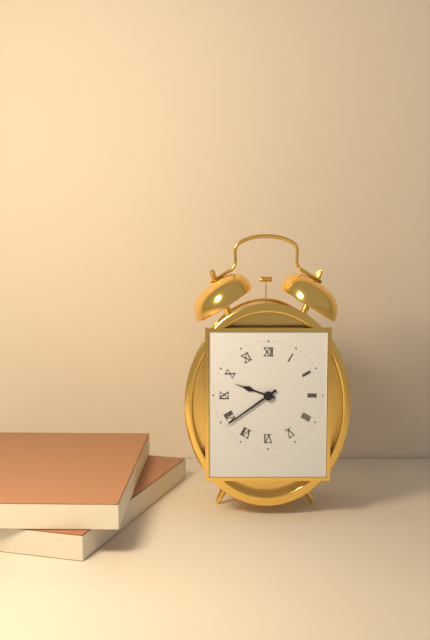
9:39
